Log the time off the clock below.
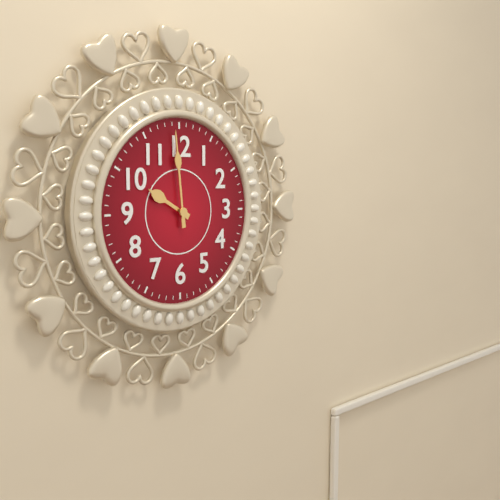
9:59
